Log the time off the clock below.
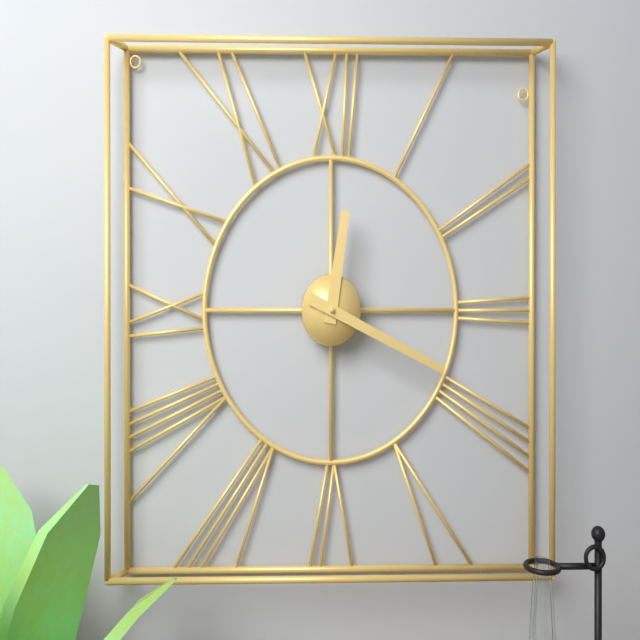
12:19
